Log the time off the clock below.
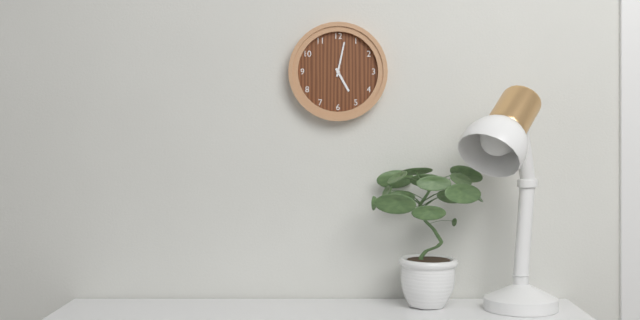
5:02
